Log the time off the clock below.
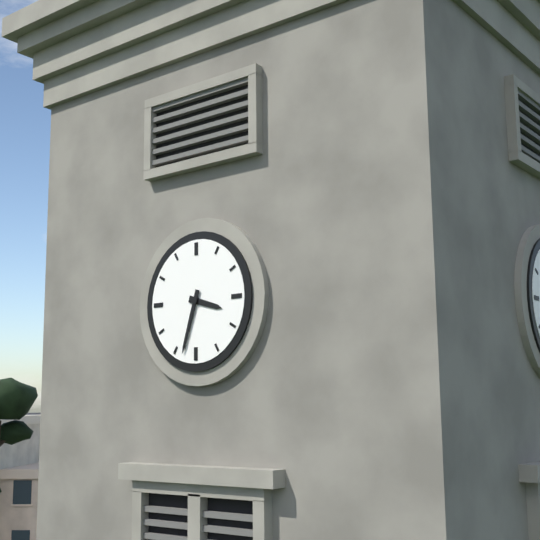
3:33
